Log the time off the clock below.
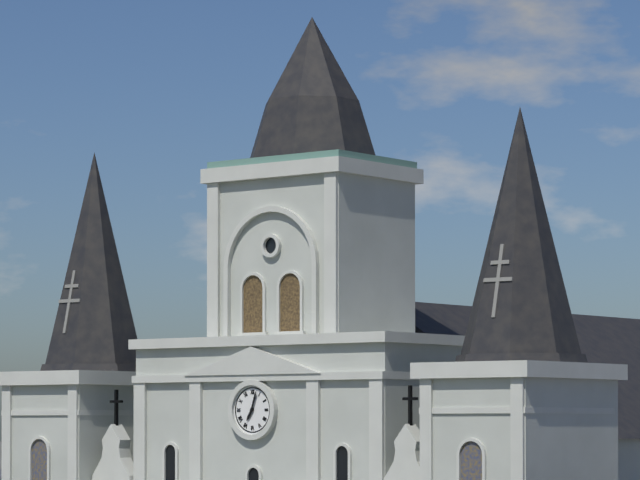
7:03
